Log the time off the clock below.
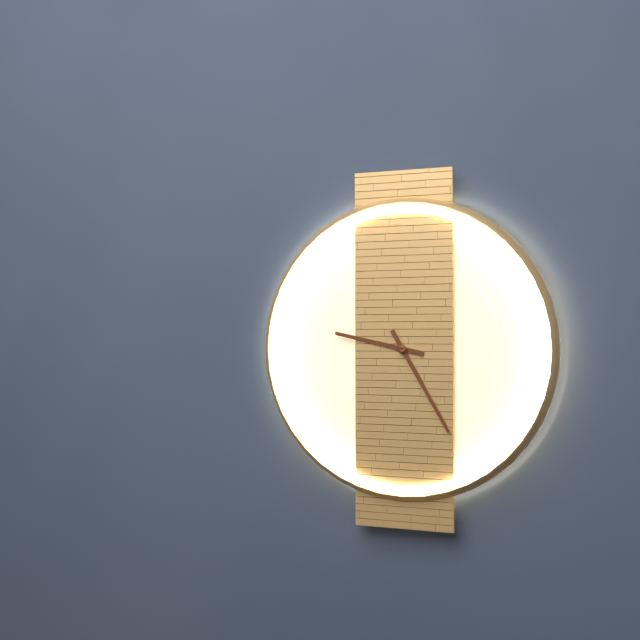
9:25
